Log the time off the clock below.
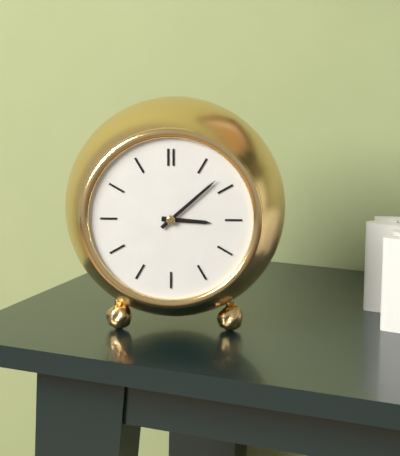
3:08
